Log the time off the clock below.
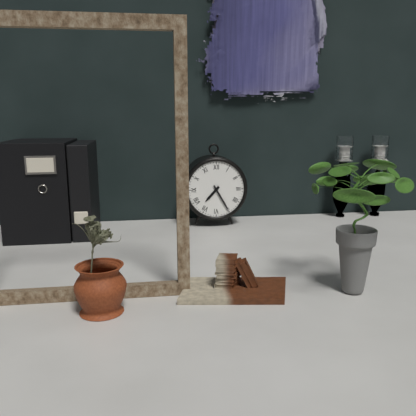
7:25
